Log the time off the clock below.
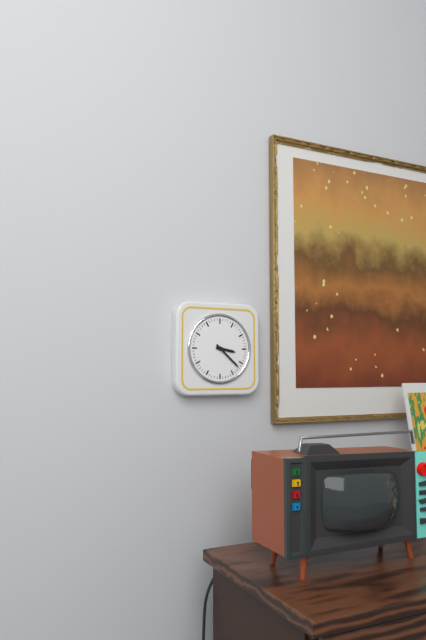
3:22
